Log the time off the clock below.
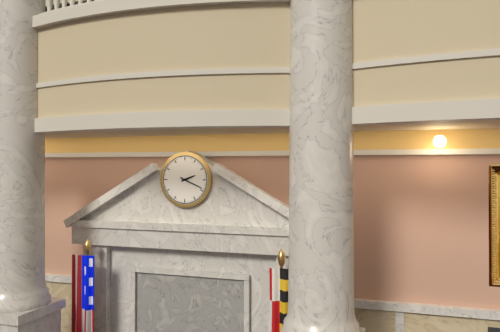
2:19
